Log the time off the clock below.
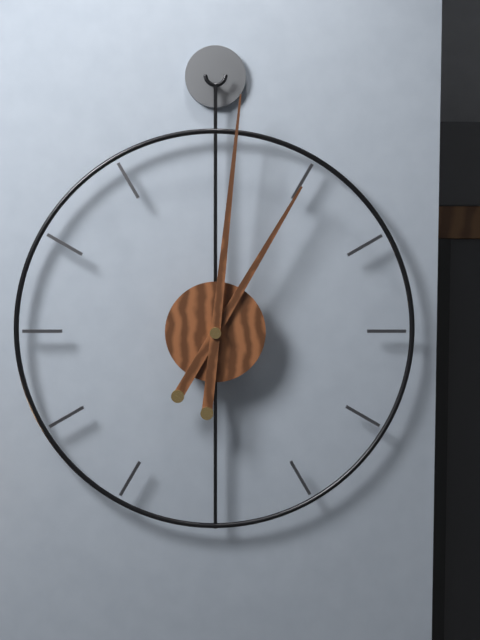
1:01
